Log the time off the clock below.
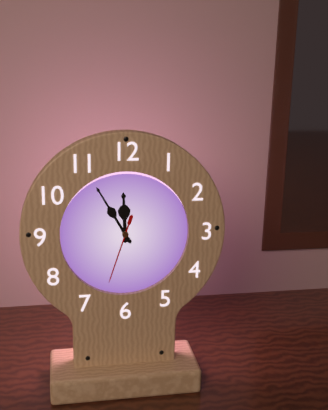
11:55:33
